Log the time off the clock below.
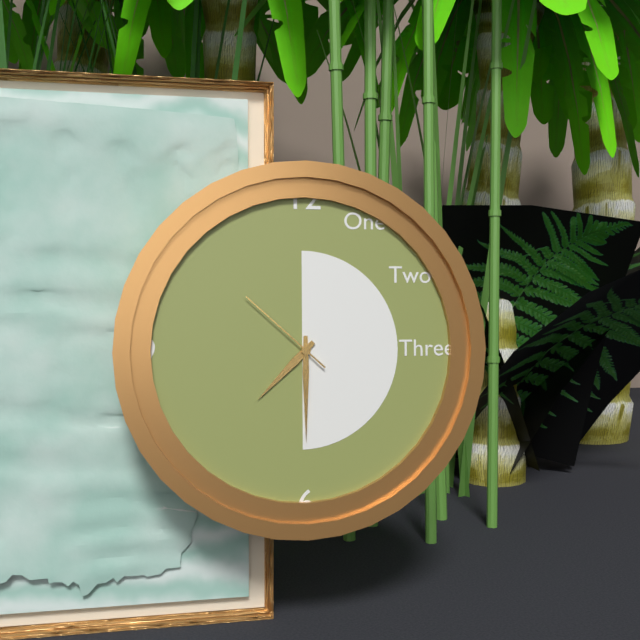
7:30:52
